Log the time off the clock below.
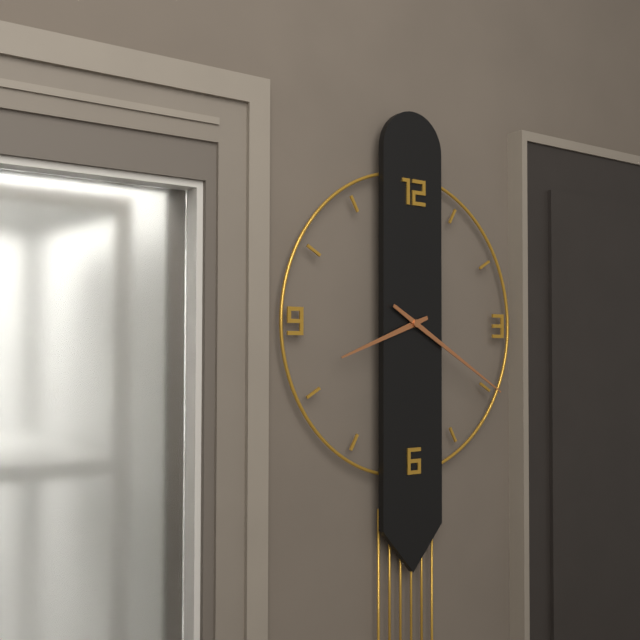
8:20
